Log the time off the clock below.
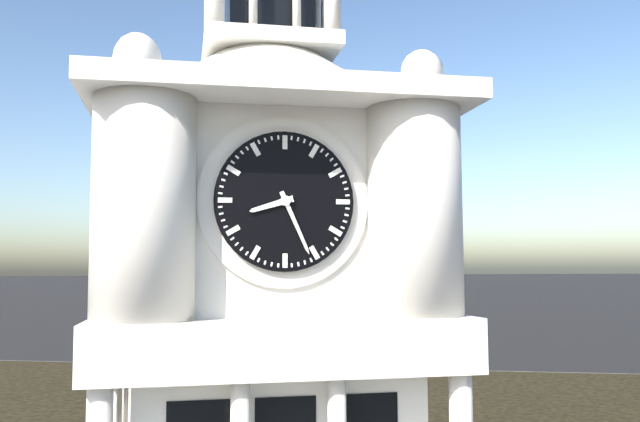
8:26
